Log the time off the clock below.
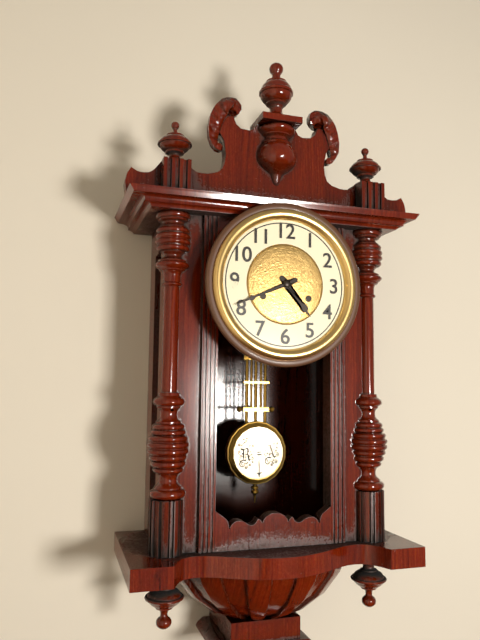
4:41
